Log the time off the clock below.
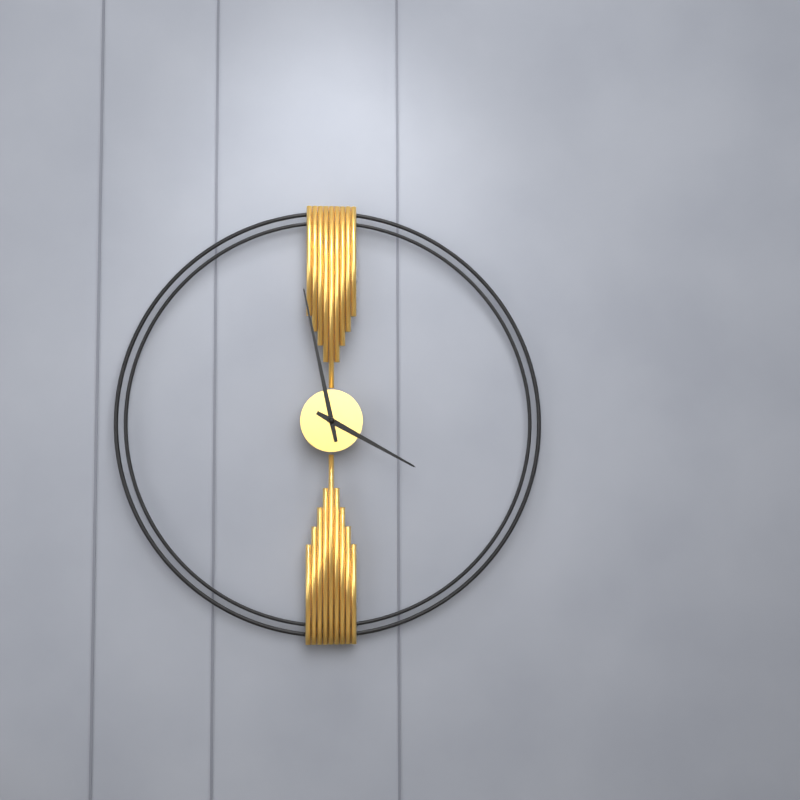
3:58
